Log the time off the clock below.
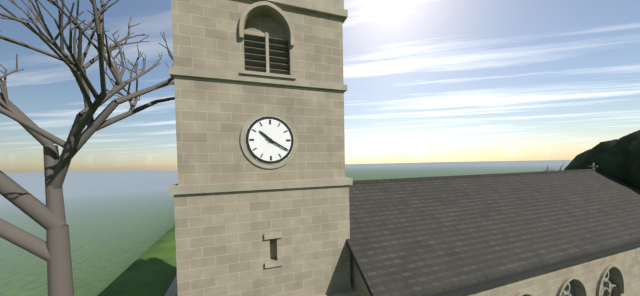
10:20
